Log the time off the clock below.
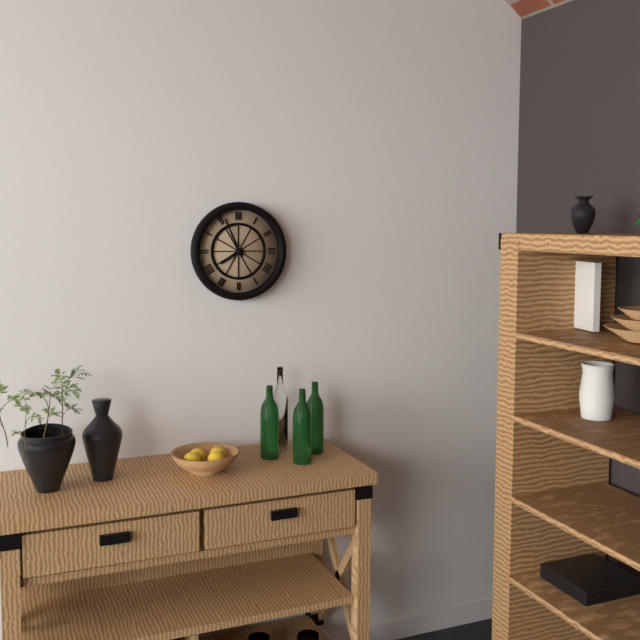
7:56
